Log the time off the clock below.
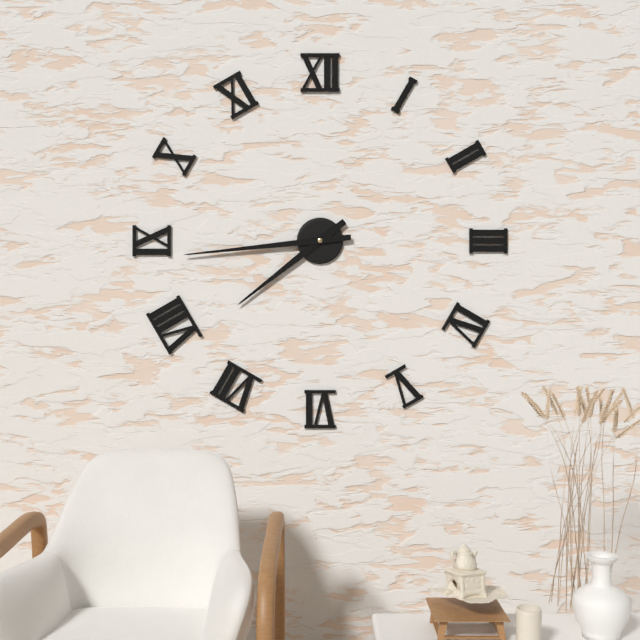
7:44
